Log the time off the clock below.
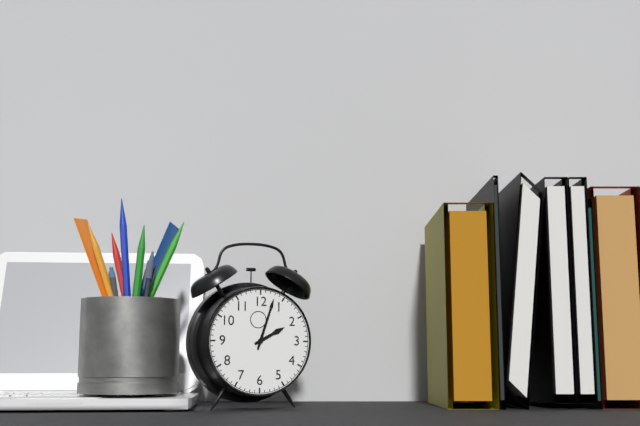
2:03
